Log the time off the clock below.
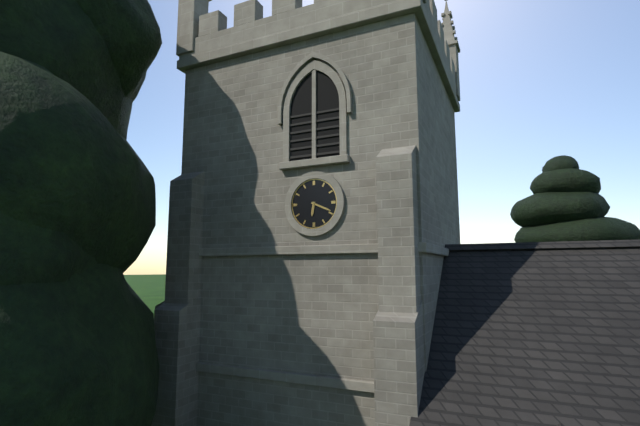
6:19
